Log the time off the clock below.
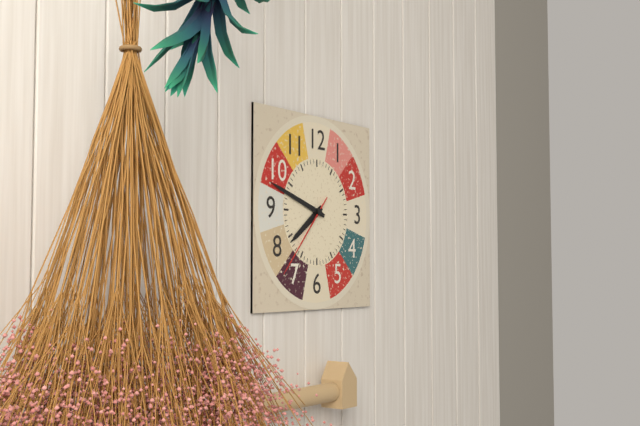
7:48:37
